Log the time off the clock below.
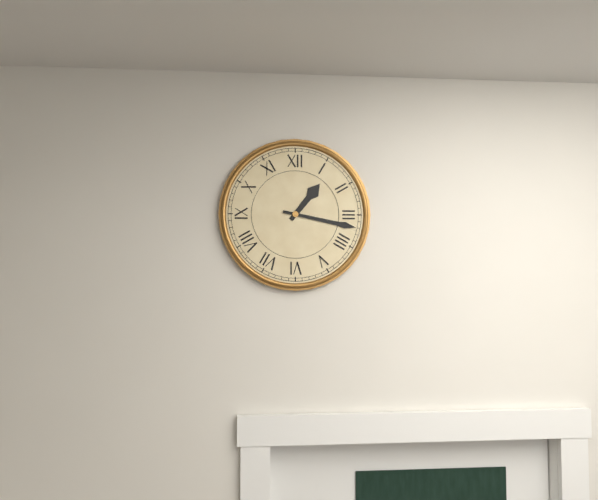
1:17
